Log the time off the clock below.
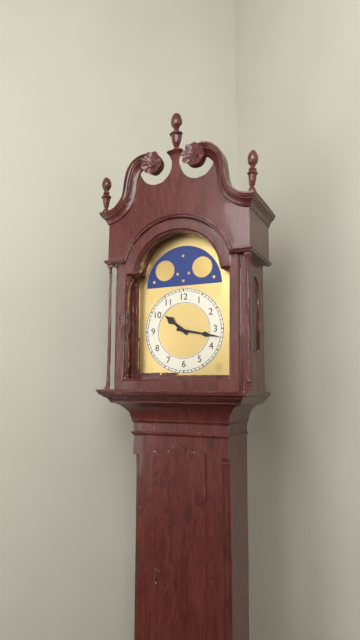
10:17
